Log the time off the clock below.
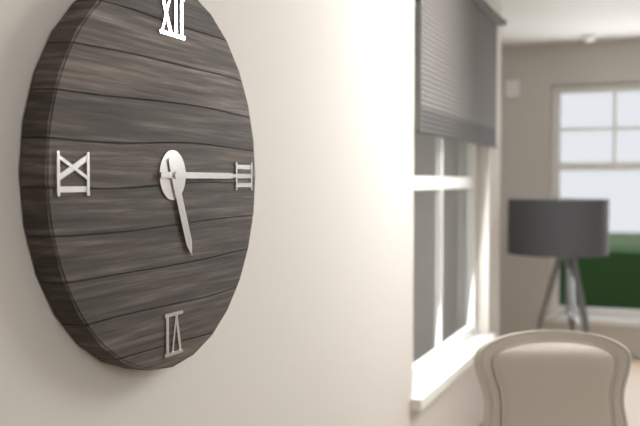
5:15
